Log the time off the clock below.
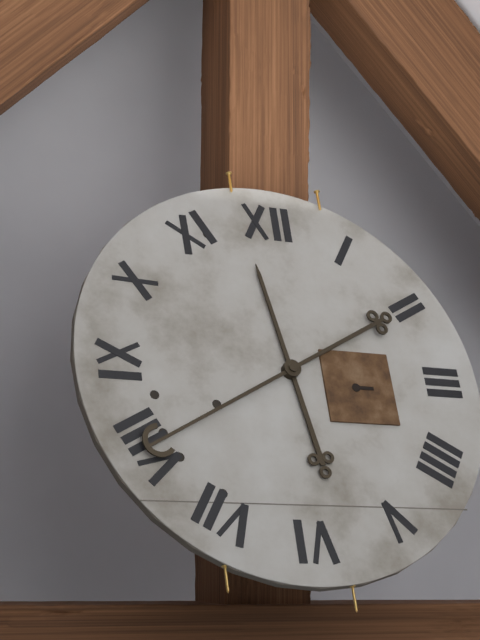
11:40
